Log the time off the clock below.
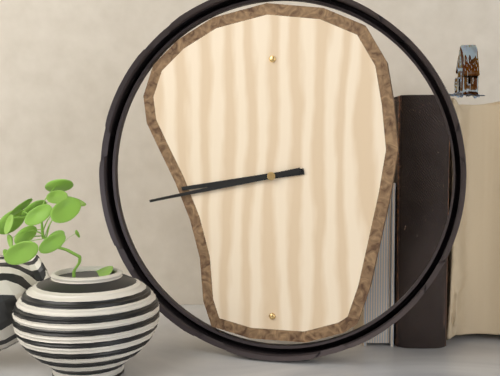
8:43
